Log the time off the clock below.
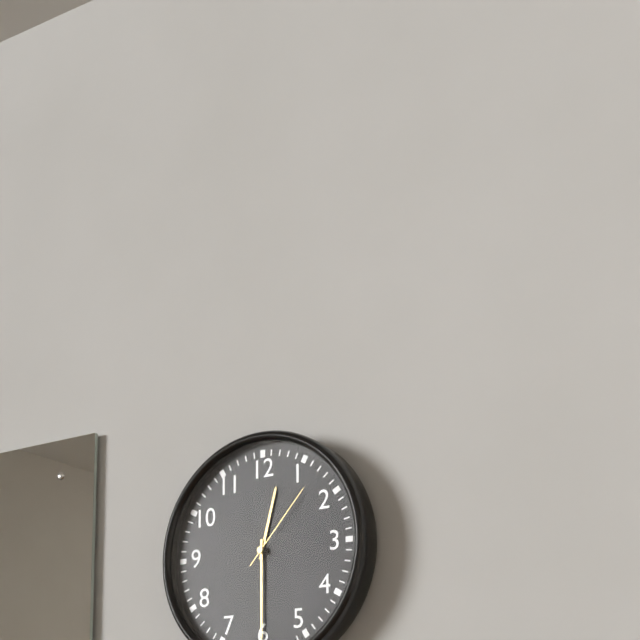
12:30:07
